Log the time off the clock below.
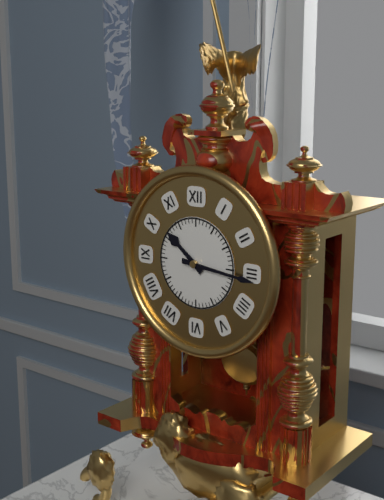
10:16
